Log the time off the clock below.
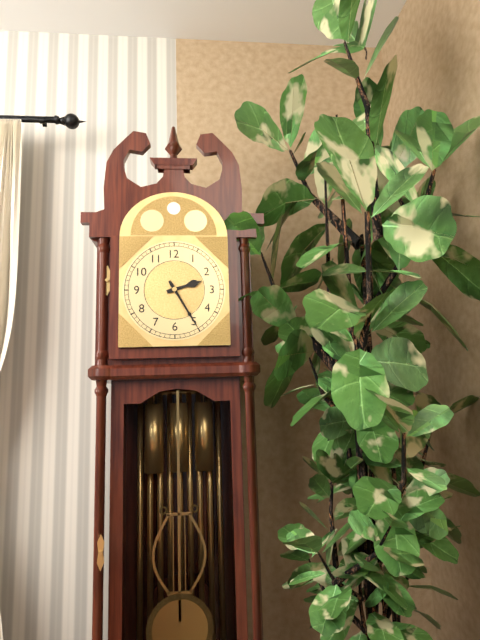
2:25
